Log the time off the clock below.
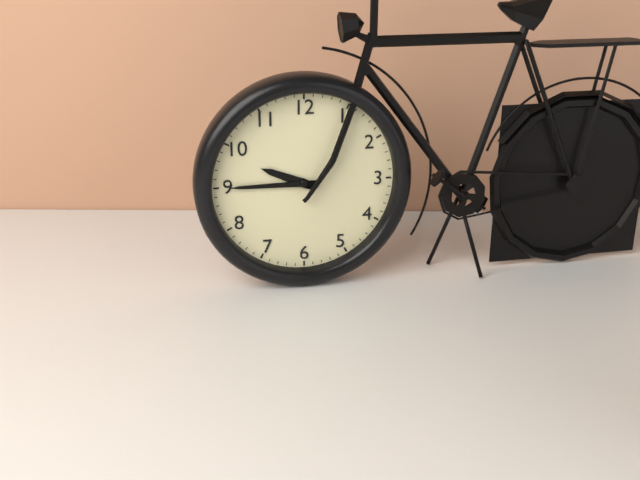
9:45
